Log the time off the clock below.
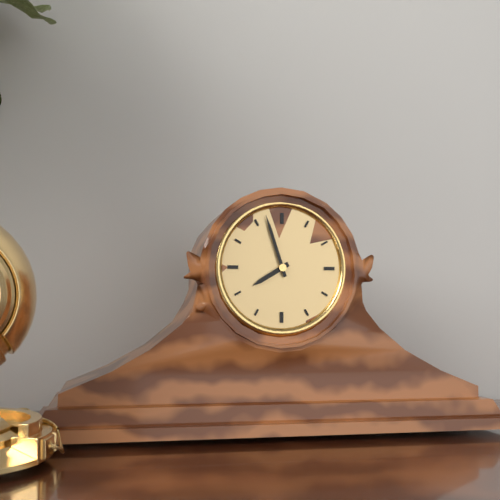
7:57
